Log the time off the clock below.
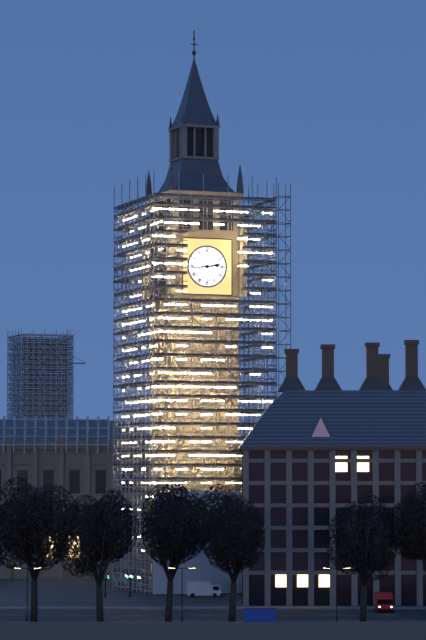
2:44
